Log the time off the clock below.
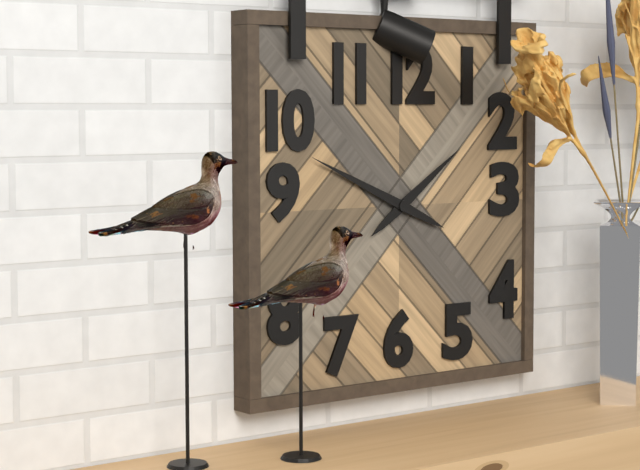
1:49
